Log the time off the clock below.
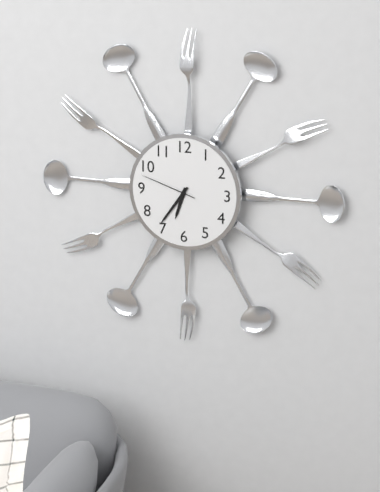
6:36:48
